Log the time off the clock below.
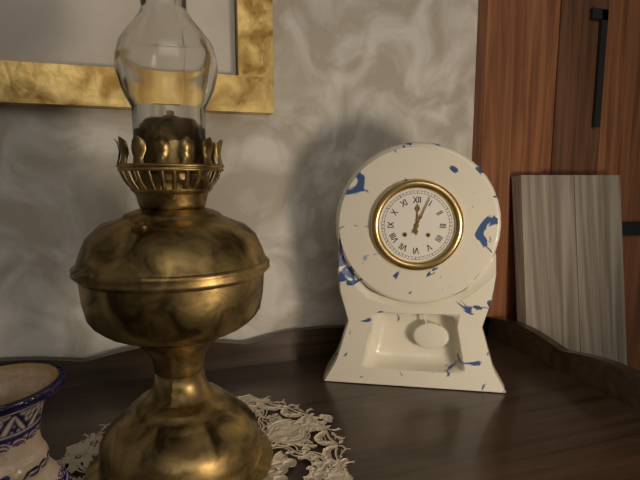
12:04
